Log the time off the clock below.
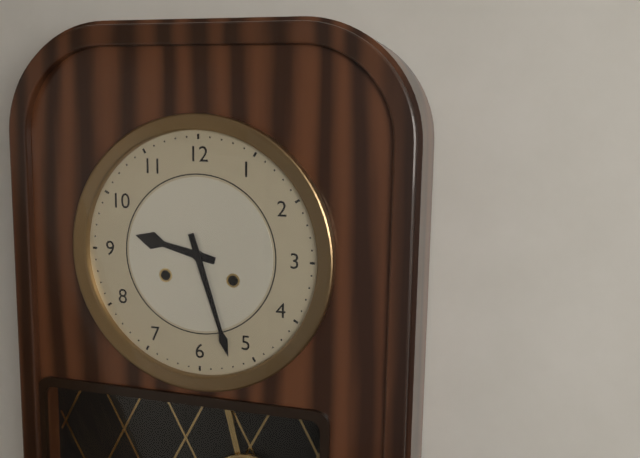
9:27
